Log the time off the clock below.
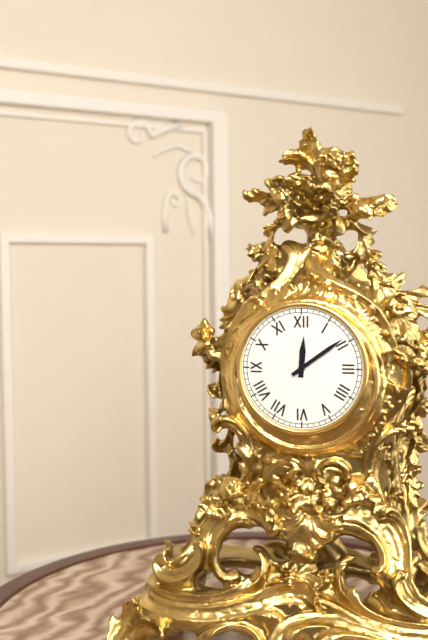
12:09
